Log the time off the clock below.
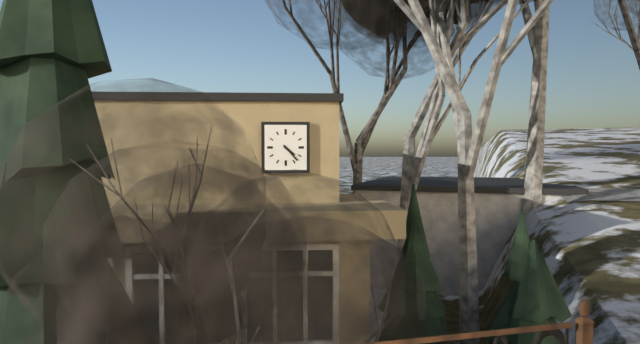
4:23
